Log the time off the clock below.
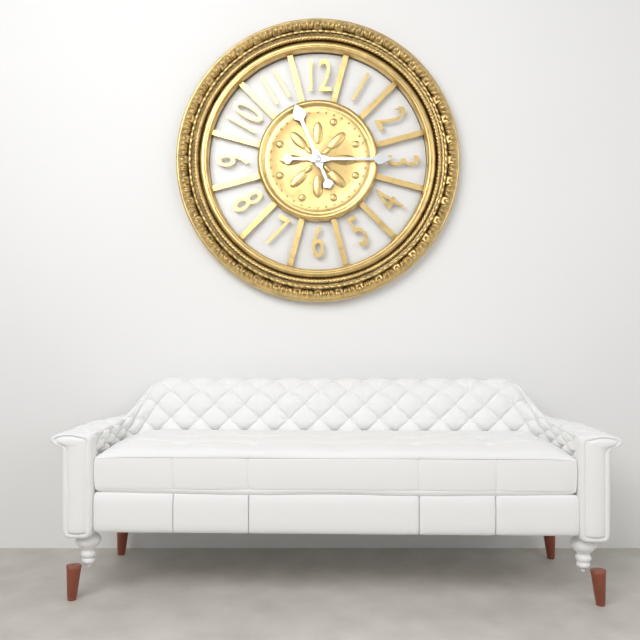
11:15
